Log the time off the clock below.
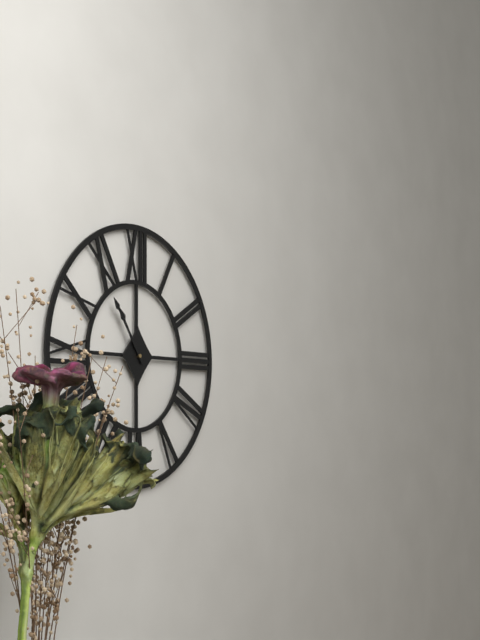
10:54
